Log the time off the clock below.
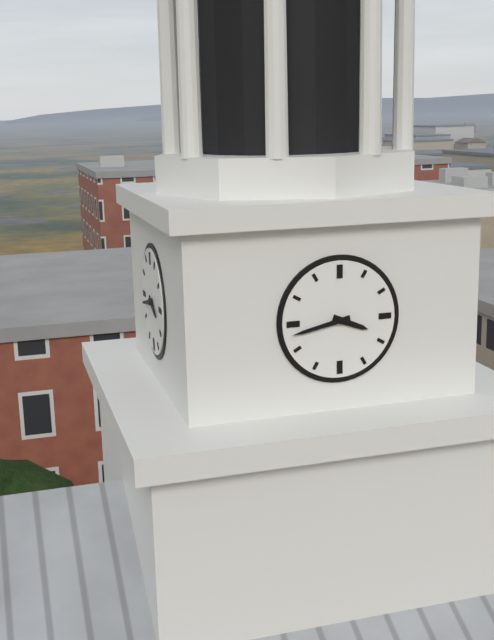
3:43
